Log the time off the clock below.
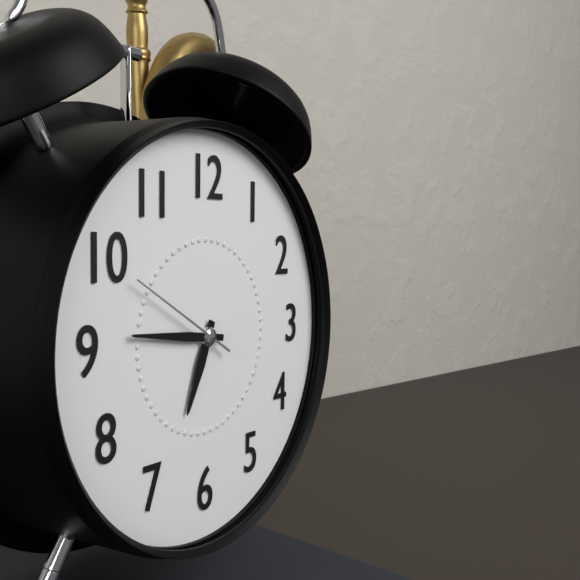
6:46:50
